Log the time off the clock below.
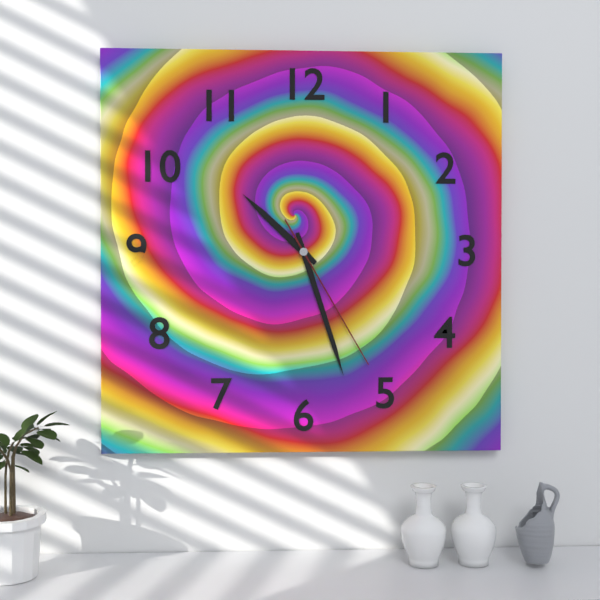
10:27:25
